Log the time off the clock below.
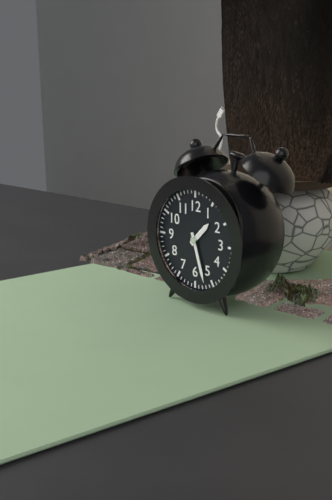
1:27
